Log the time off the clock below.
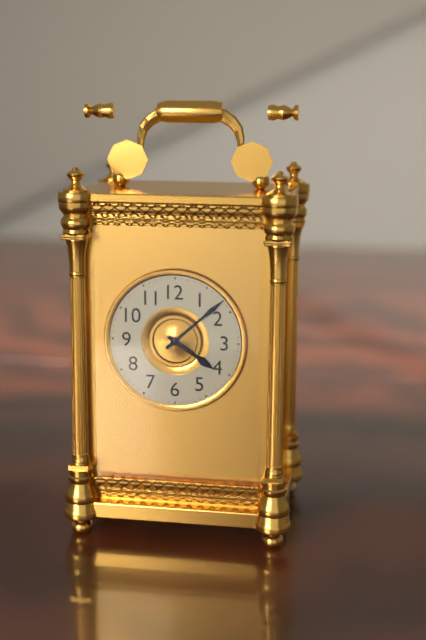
4:08
